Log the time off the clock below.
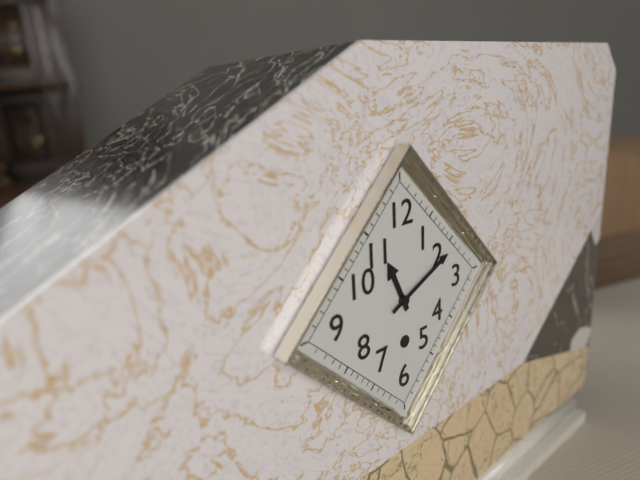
11:11
